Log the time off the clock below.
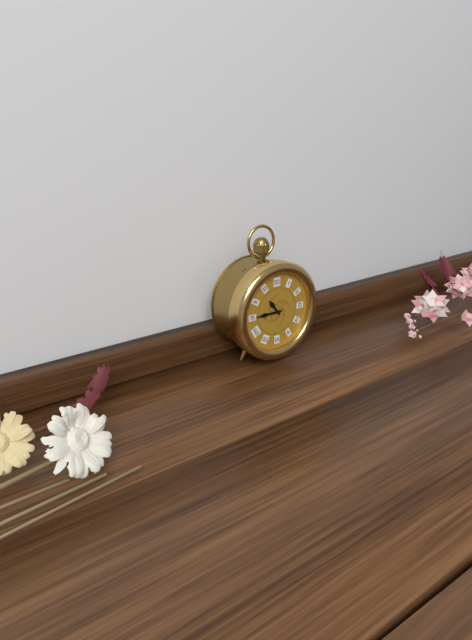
10:45
